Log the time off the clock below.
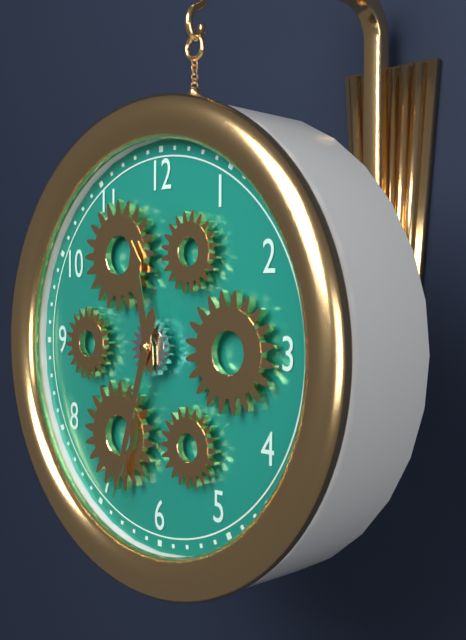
11:33
